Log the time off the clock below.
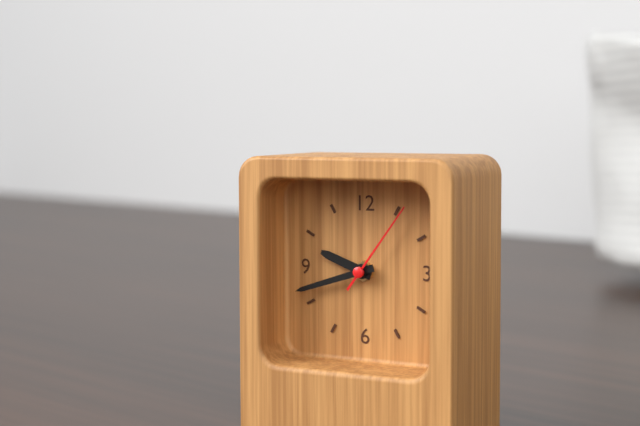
9:42:06
